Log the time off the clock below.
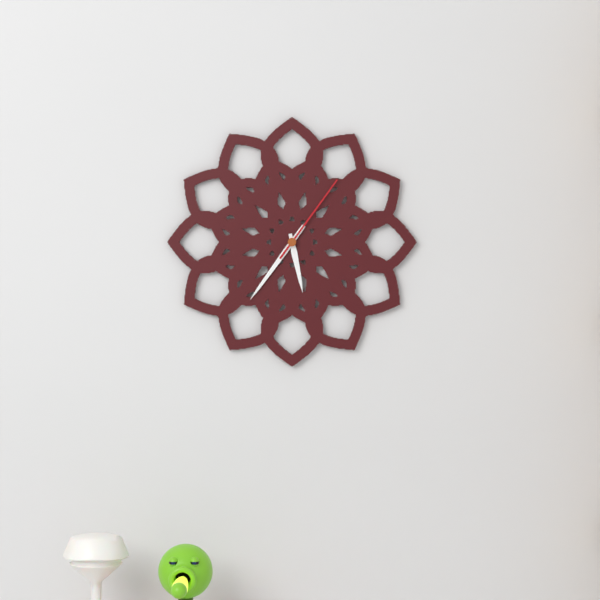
5:36:06
